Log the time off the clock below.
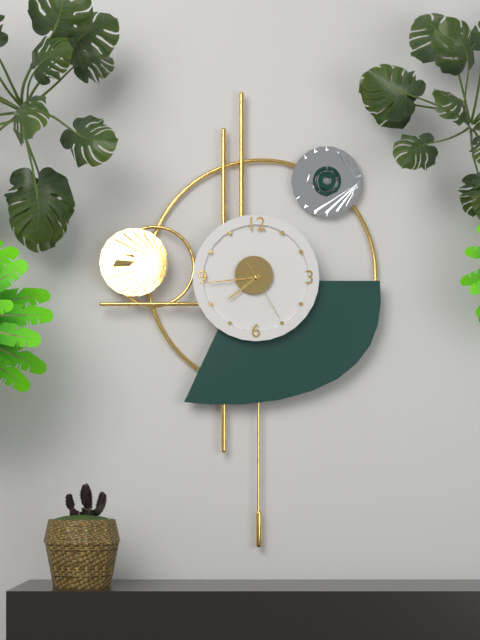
7:44:25
